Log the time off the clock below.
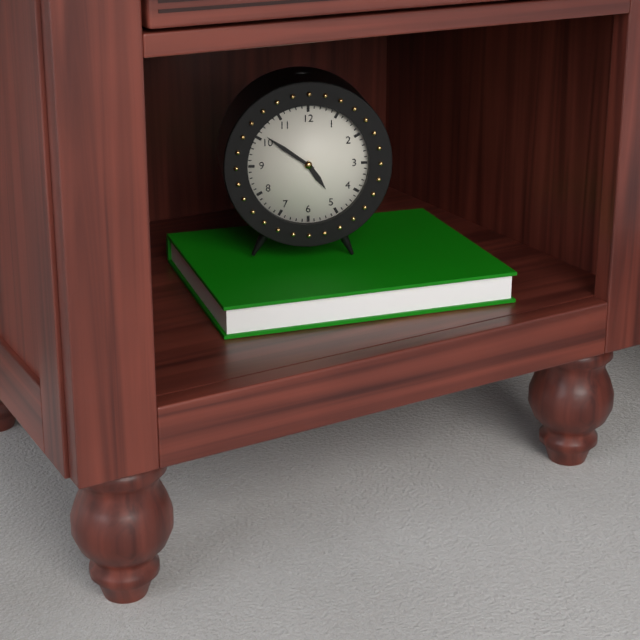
4:51
